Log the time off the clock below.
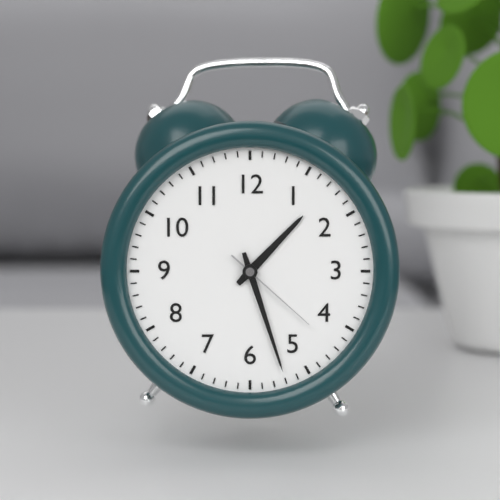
1:27:22
